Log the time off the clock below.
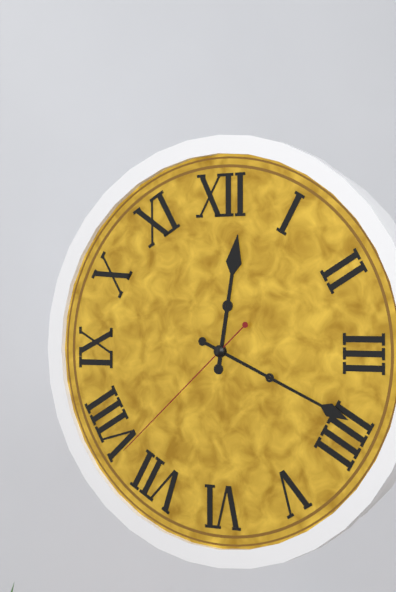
12:19:38
